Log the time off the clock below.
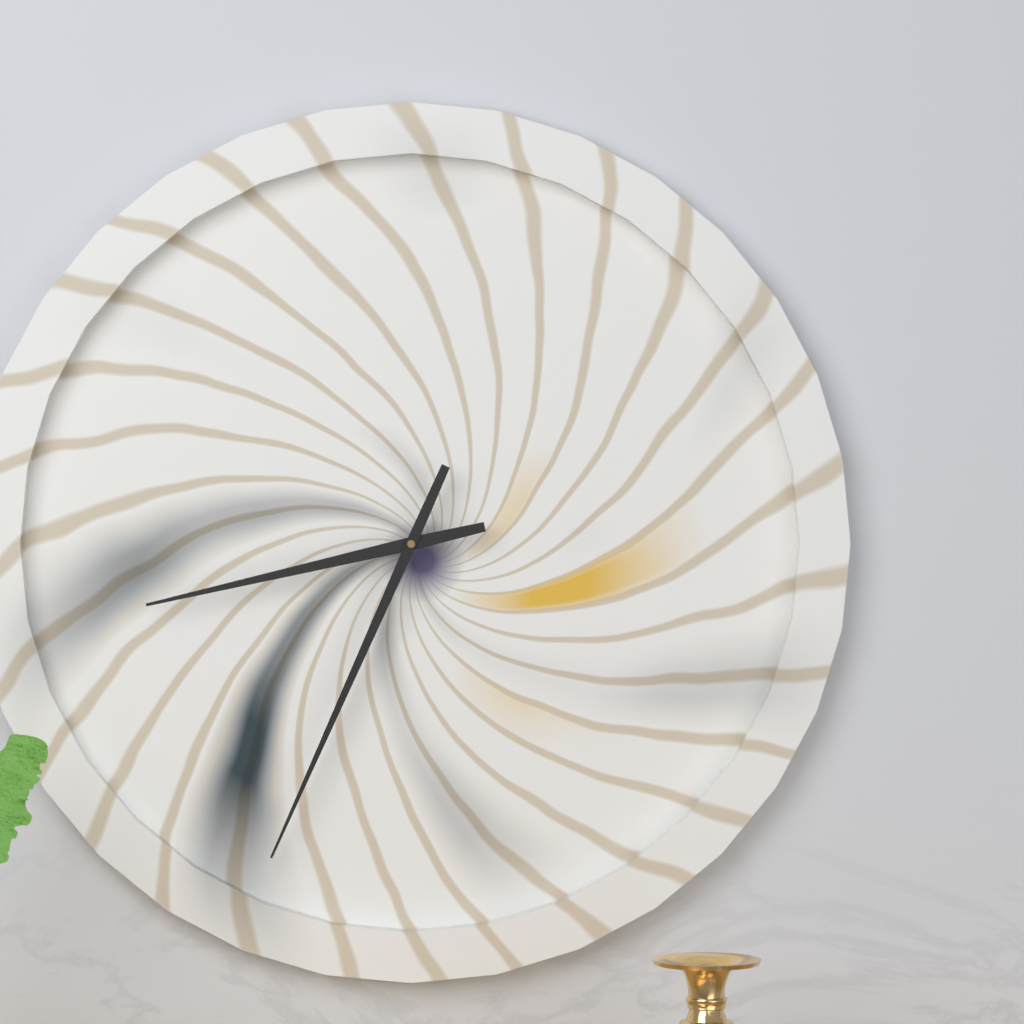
8:34
